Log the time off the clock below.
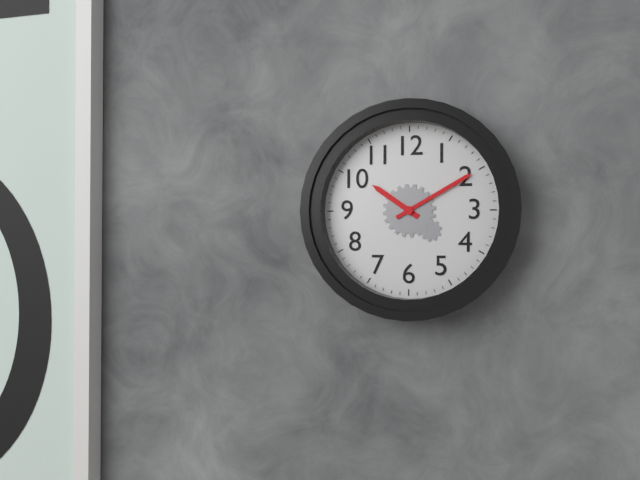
10:10
